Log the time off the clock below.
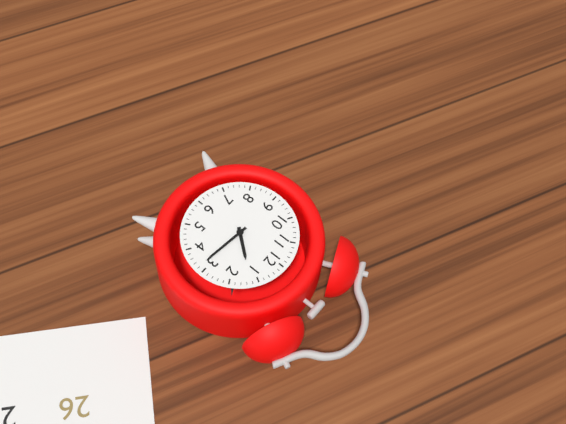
1:16
